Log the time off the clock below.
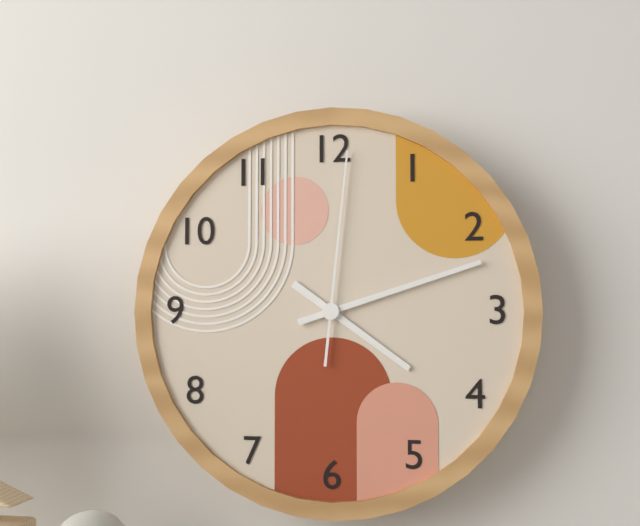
4:12:01
